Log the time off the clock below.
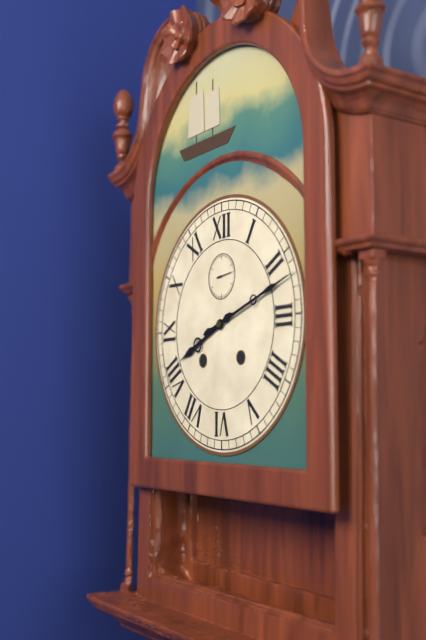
8:12
